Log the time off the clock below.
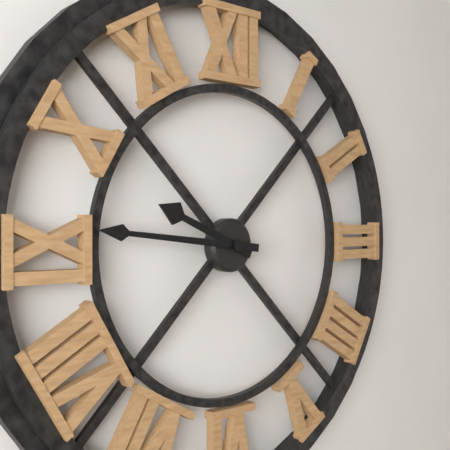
9:46
